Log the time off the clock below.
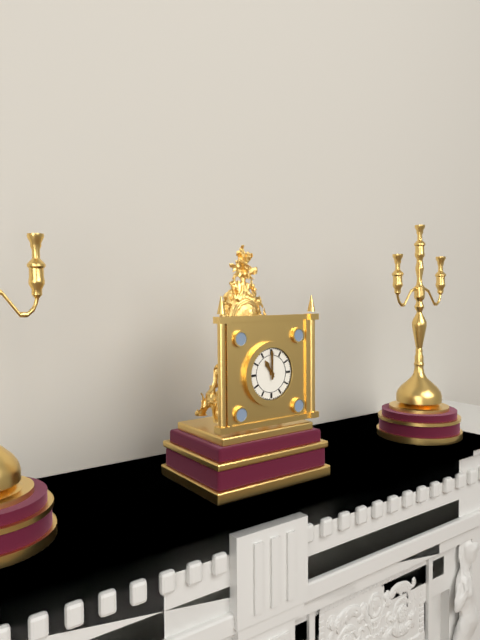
11:00
